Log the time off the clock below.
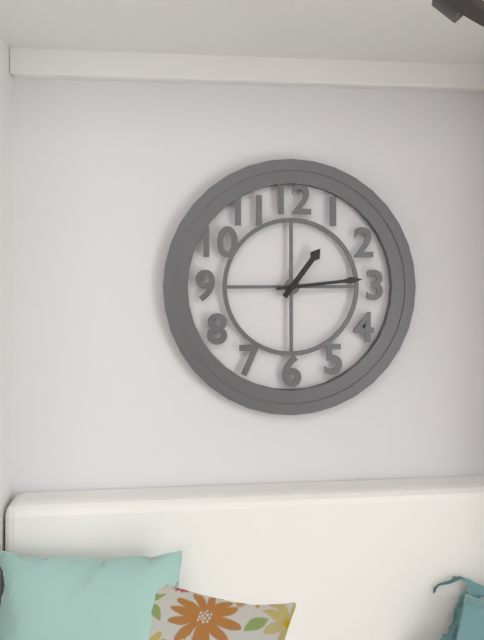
1:14
